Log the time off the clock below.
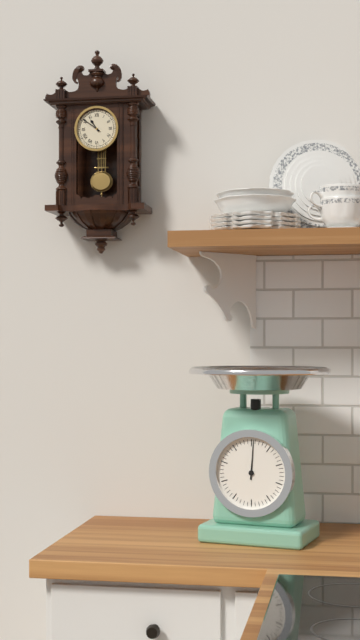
10:51
